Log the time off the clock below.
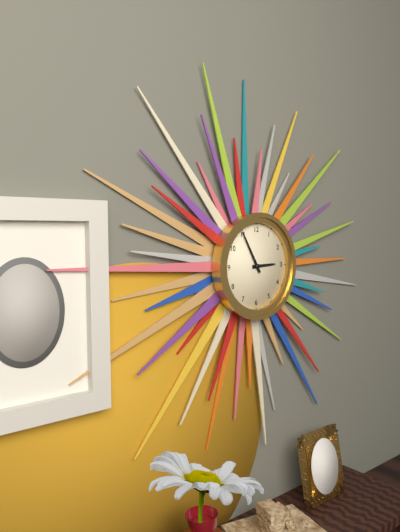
2:55
